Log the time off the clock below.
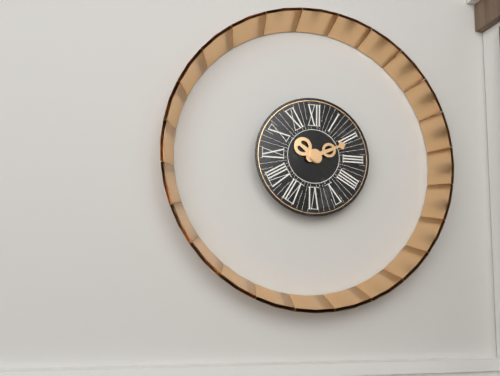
10:11
